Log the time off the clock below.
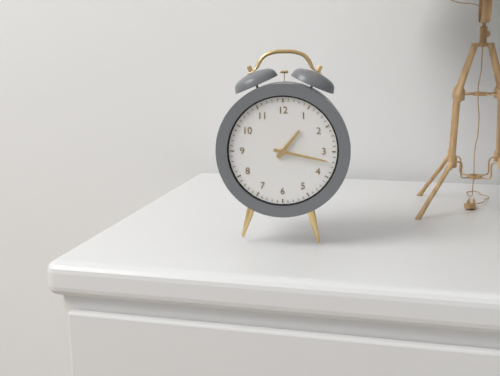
1:17
